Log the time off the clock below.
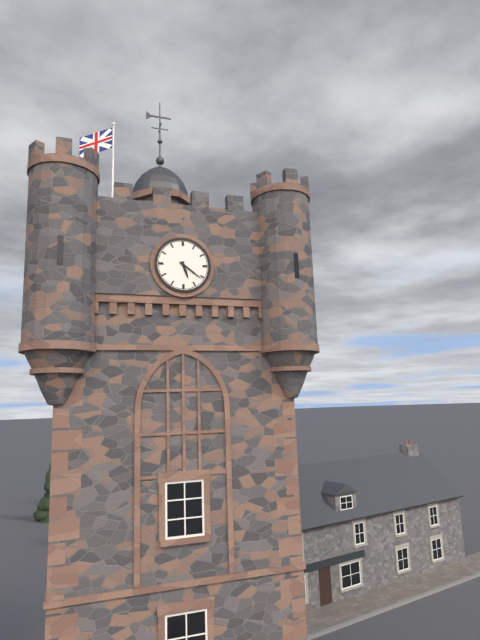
5:21
